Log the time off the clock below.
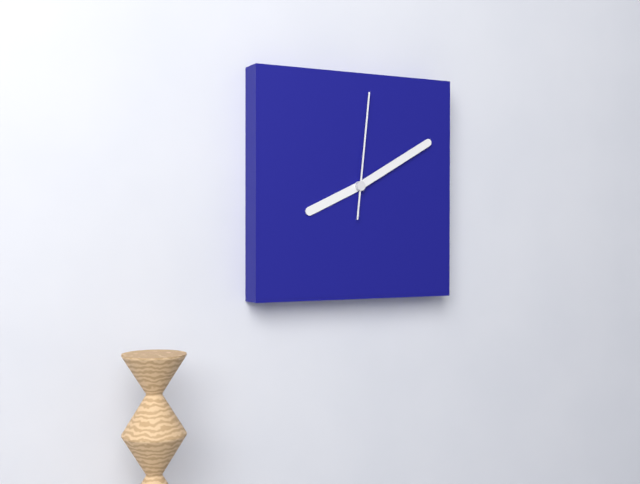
8:10:01
